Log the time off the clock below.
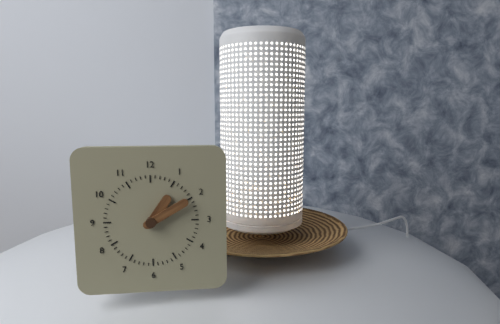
1:10
